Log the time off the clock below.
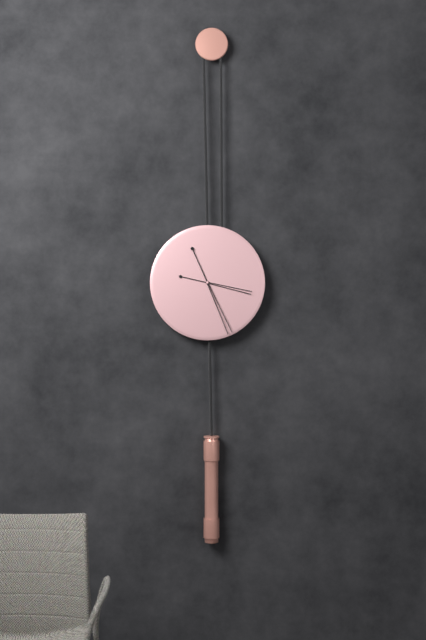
3:26
